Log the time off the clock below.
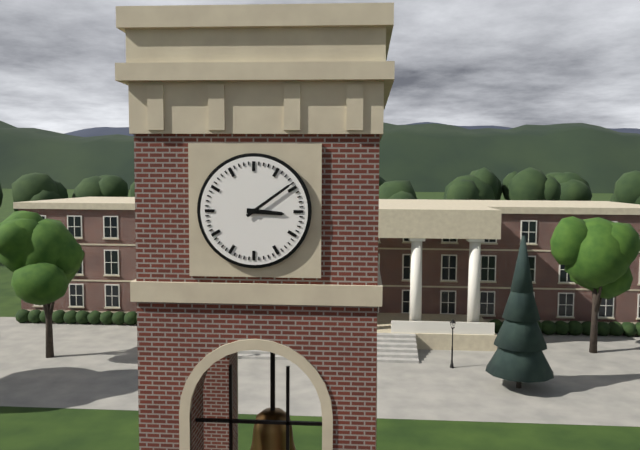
3:09
